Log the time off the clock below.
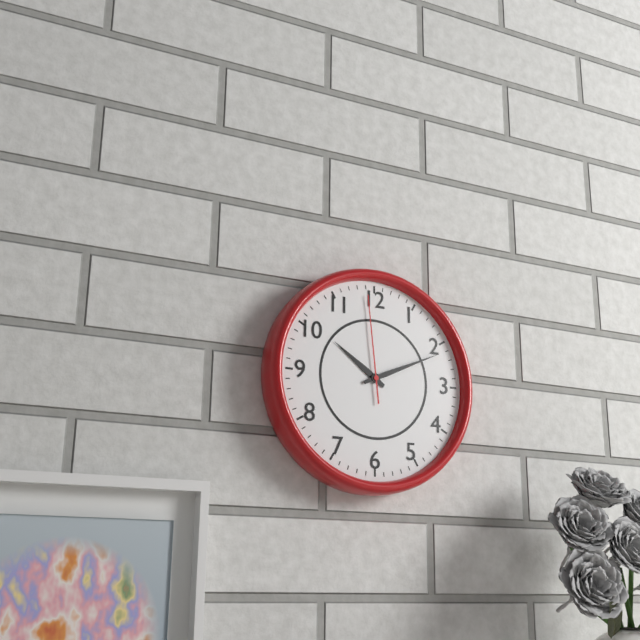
10:11:59
